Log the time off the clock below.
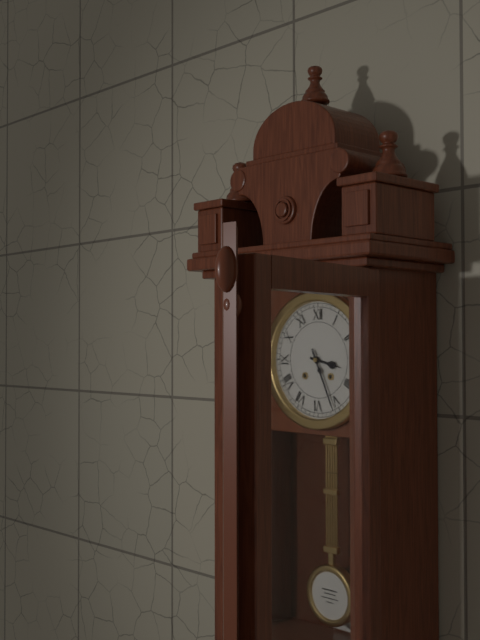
3:26
